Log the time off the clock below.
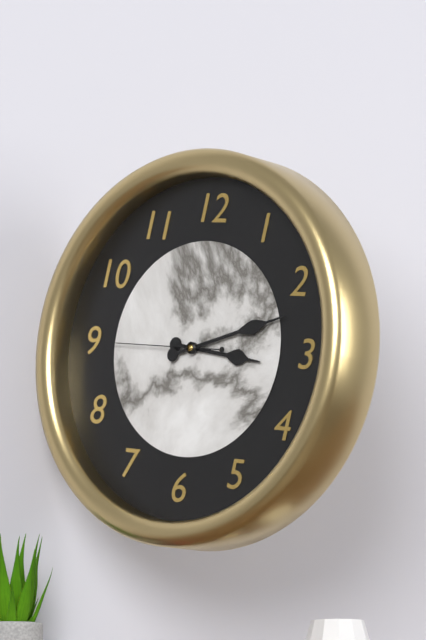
3:12:45
